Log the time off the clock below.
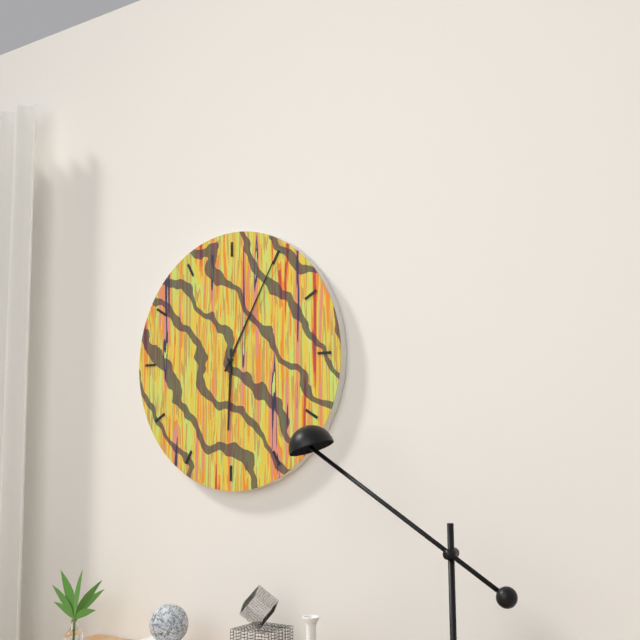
6:05
